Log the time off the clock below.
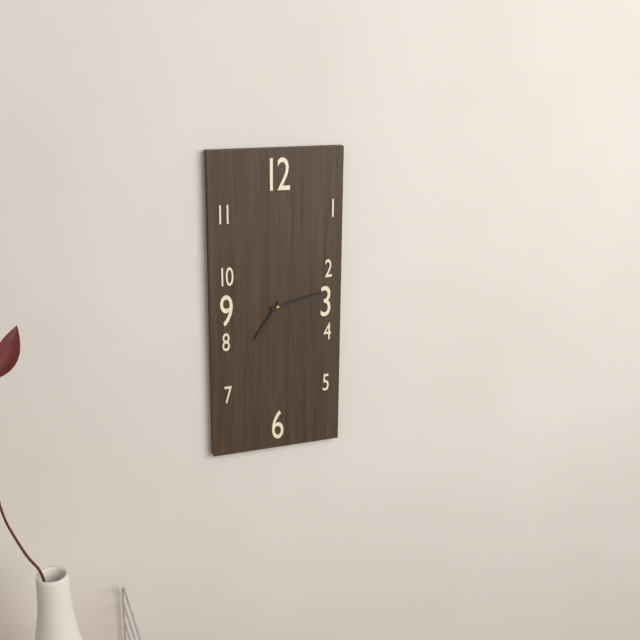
7:13
